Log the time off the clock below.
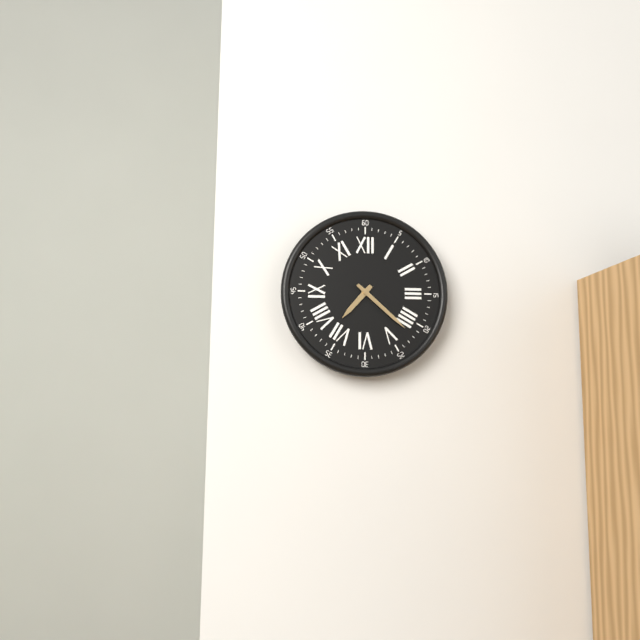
7:22
